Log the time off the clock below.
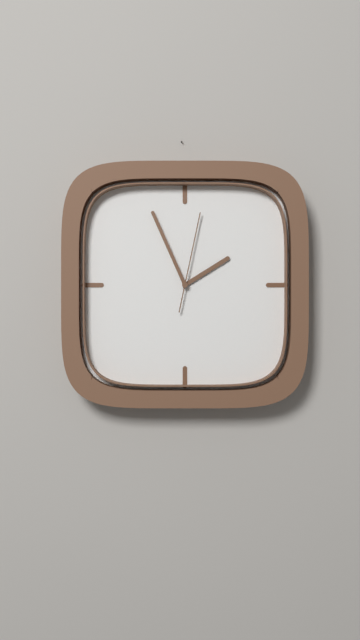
1:56:02
